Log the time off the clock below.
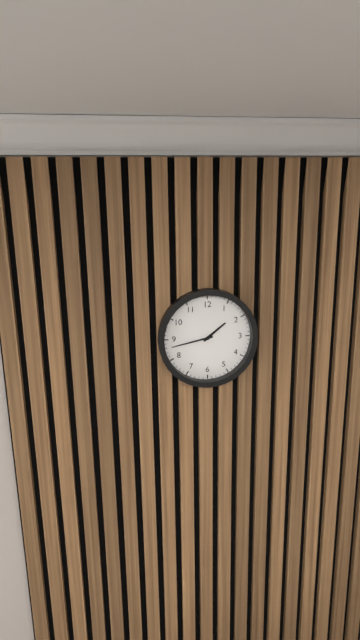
1:43
